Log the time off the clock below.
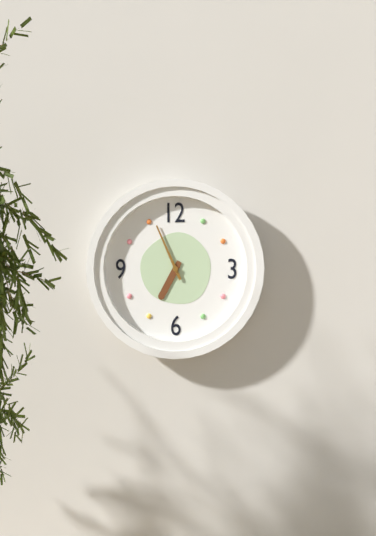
6:56
